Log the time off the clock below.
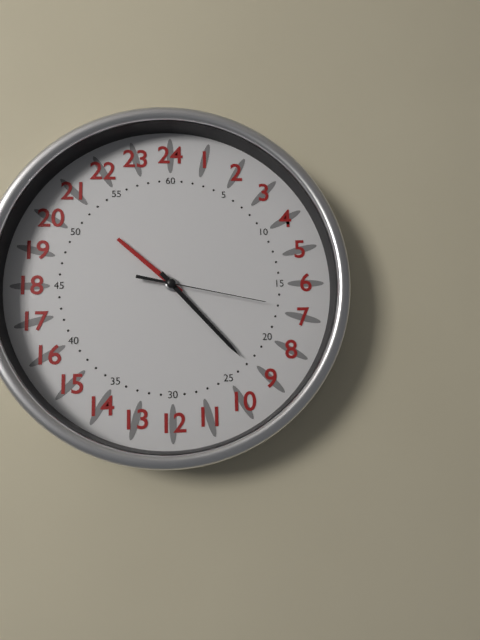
10:23:17
